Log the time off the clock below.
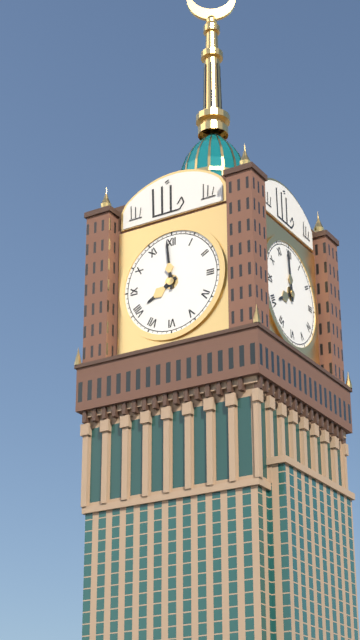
7:59
